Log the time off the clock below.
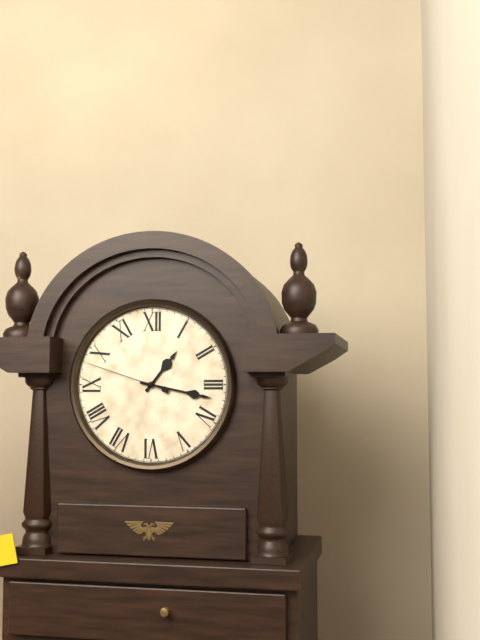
1:17:48
